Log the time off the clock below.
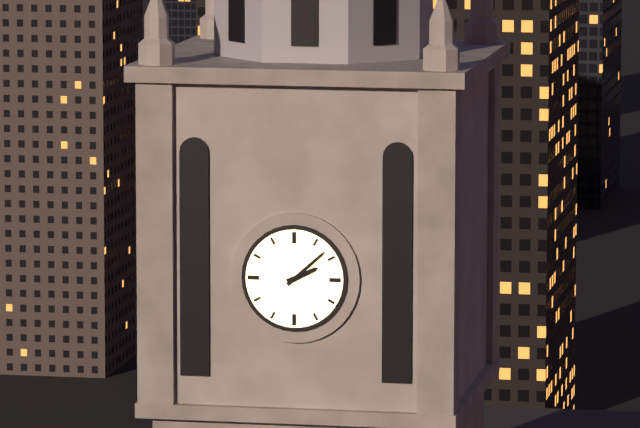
2:08
